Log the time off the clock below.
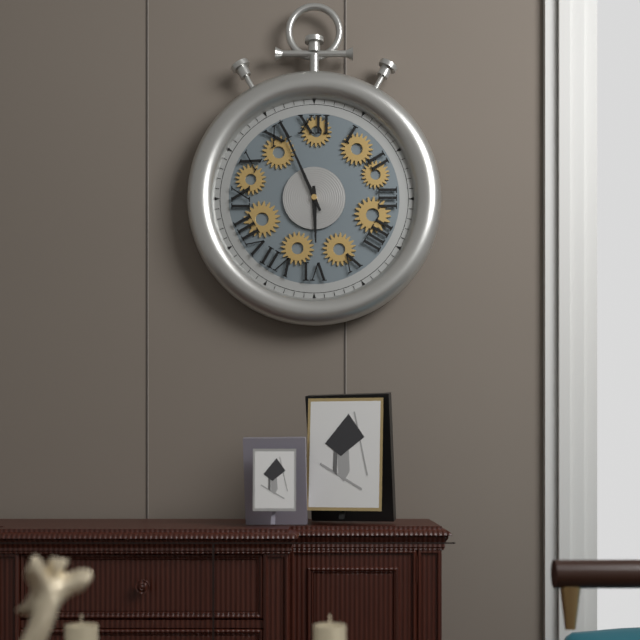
5:56
